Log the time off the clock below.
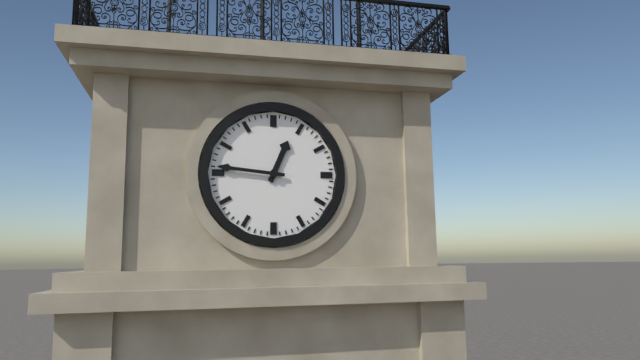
12:46
